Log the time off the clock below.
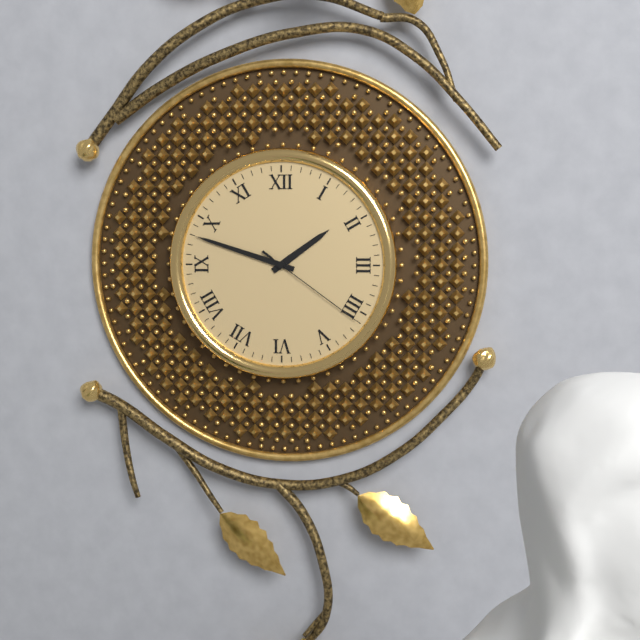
1:48:21
